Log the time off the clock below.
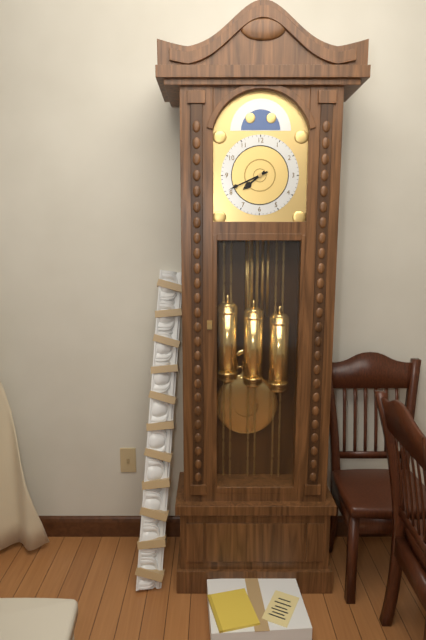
7:41
